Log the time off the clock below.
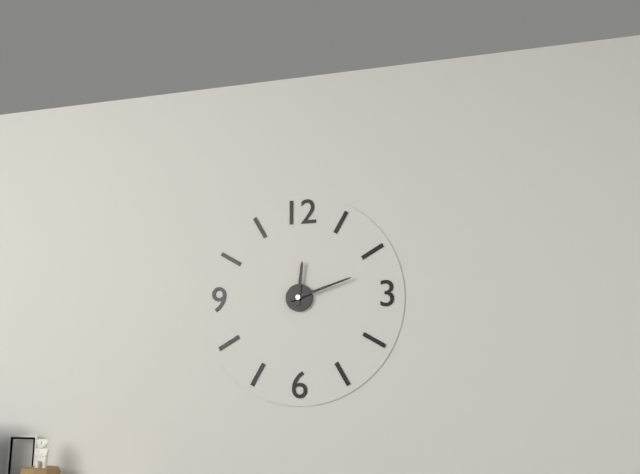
12:12
